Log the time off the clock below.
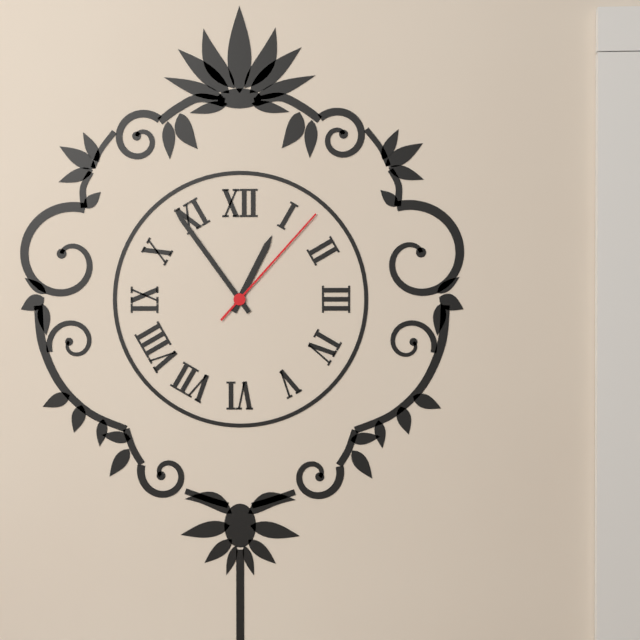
12:54:07
